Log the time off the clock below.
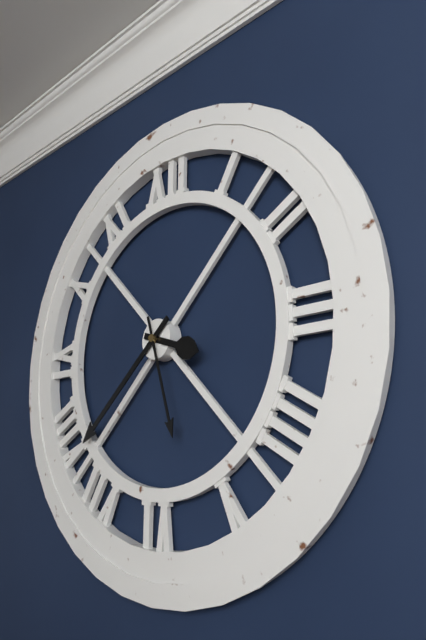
3:38:27
